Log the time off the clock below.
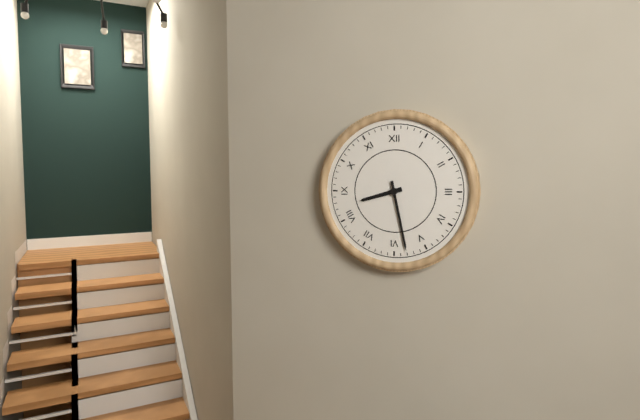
8:28
